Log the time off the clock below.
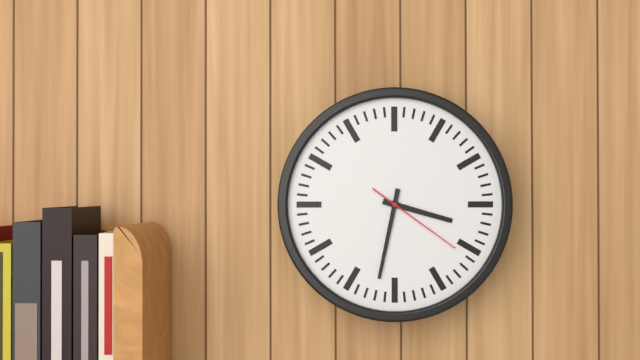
3:32:21
